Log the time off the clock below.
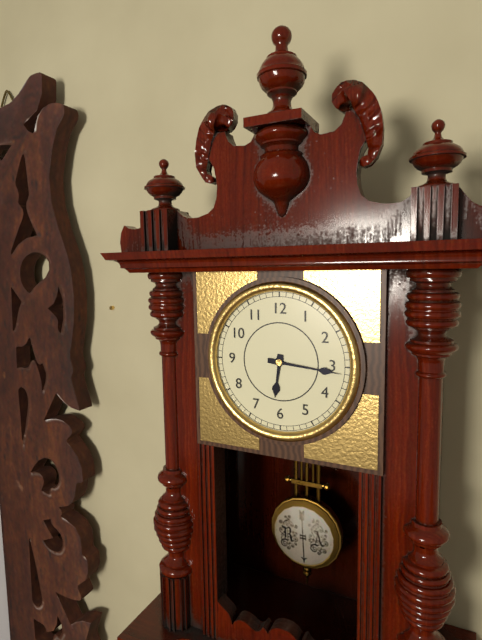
6:16
